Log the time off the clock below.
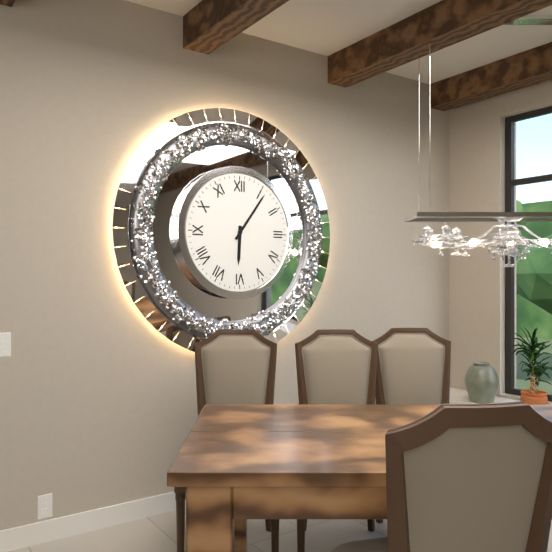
6:06
